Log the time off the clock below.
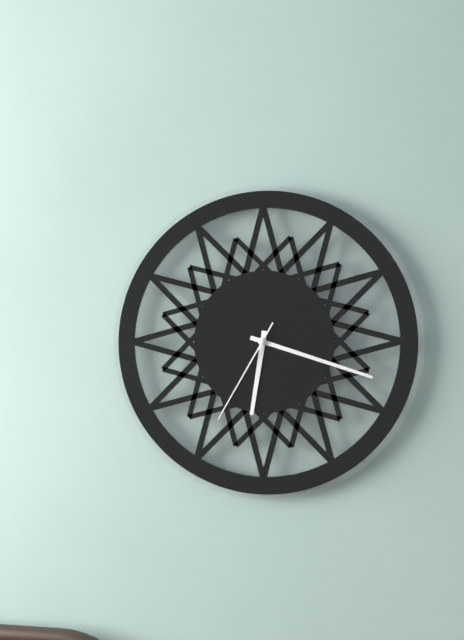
6:18:35
